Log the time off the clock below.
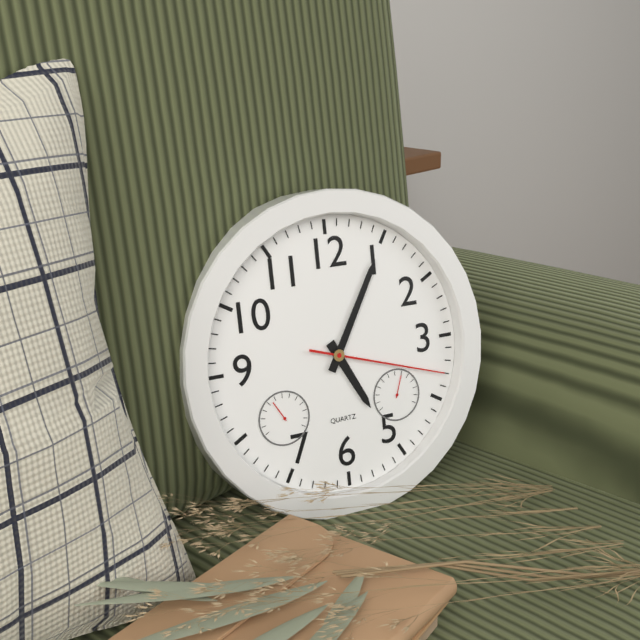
5:05:18
